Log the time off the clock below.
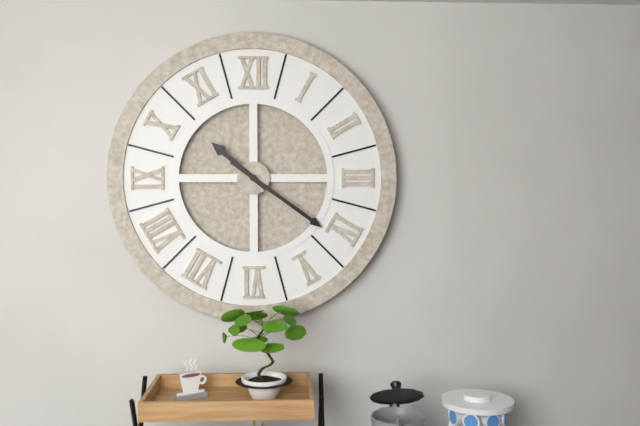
10:21
